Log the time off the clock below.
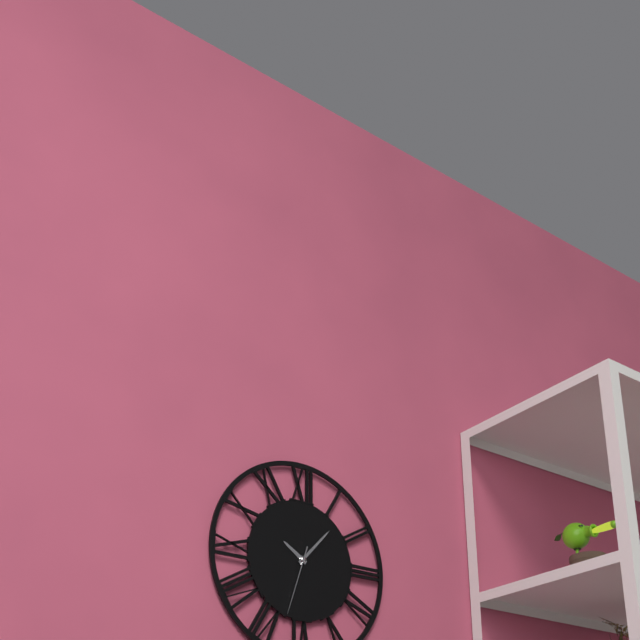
10:07:33
